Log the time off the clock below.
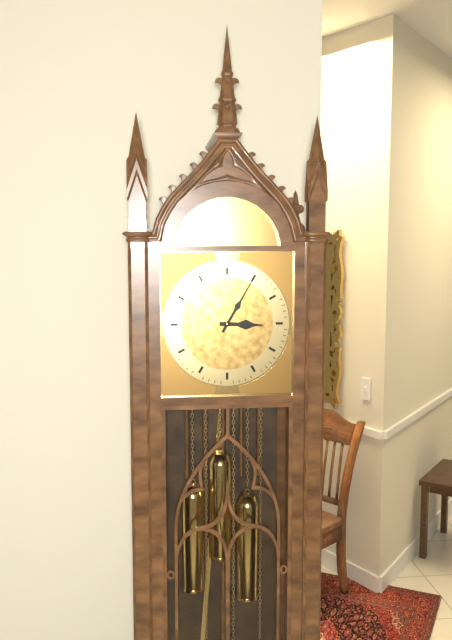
3:05
